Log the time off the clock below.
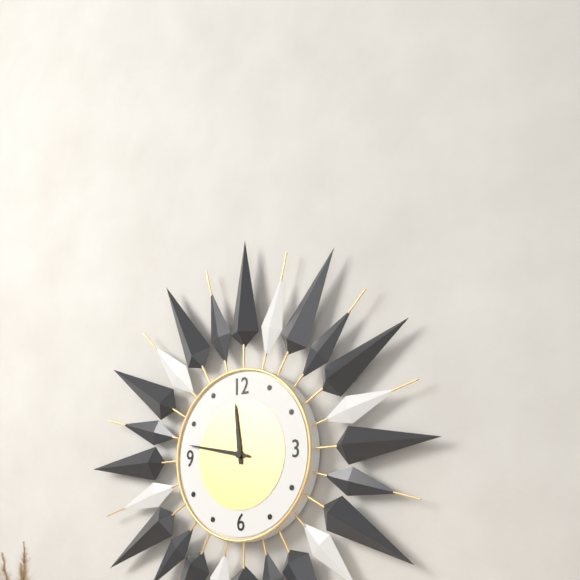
11:47
